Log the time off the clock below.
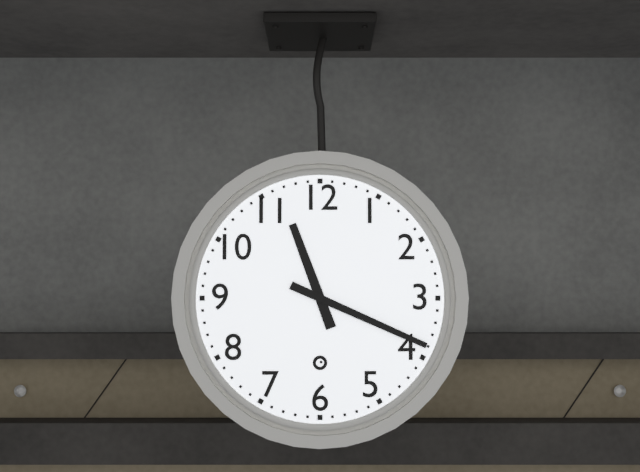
11:19
